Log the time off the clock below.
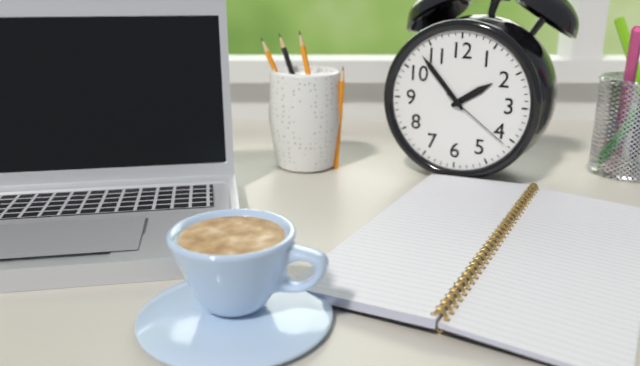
1:53:21
